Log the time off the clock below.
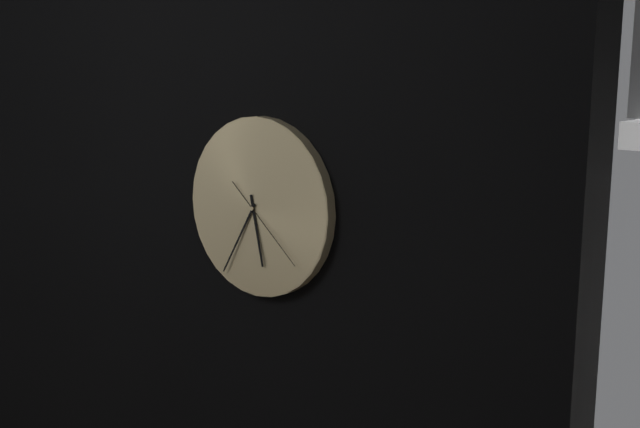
5:35:22
